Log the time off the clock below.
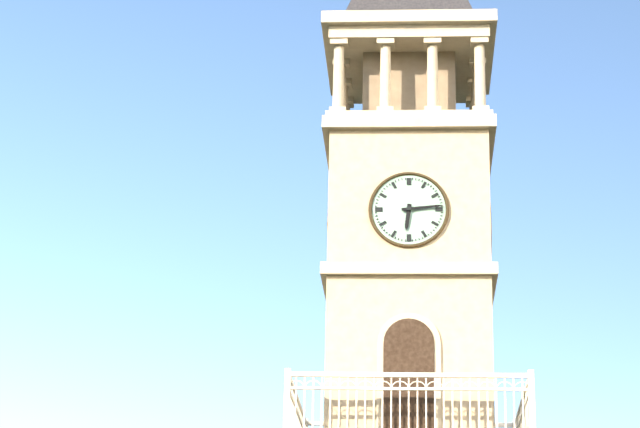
6:14
